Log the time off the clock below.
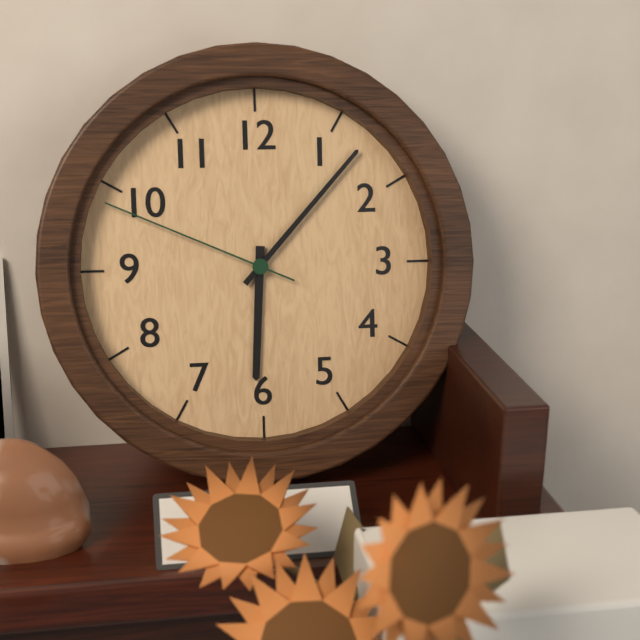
6:07:49
